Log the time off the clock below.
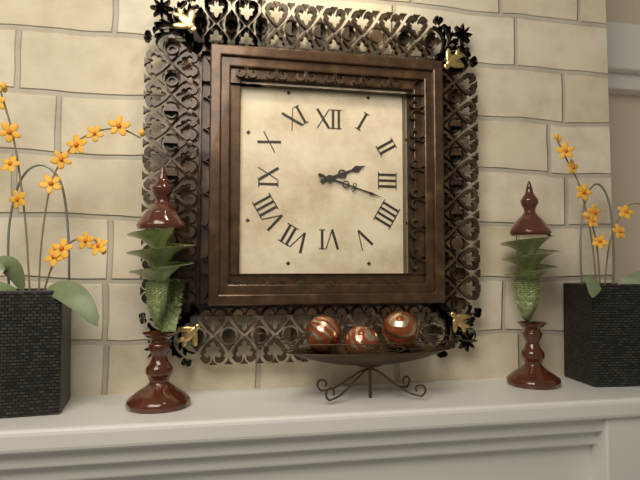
2:18
